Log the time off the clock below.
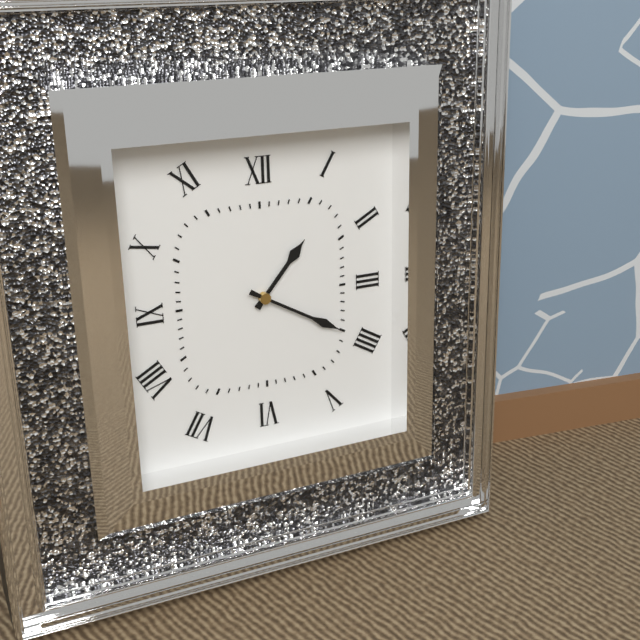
1:20
